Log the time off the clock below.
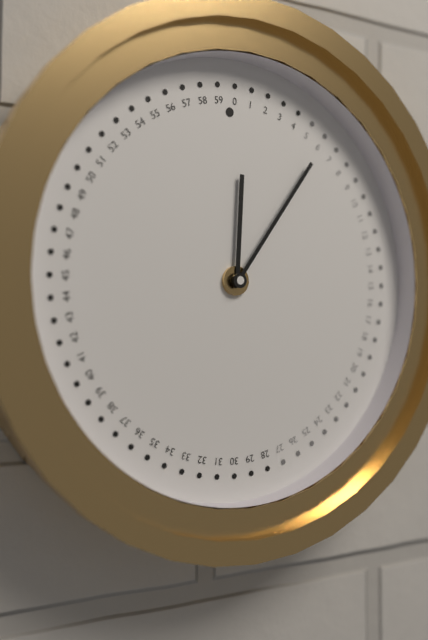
12:06
